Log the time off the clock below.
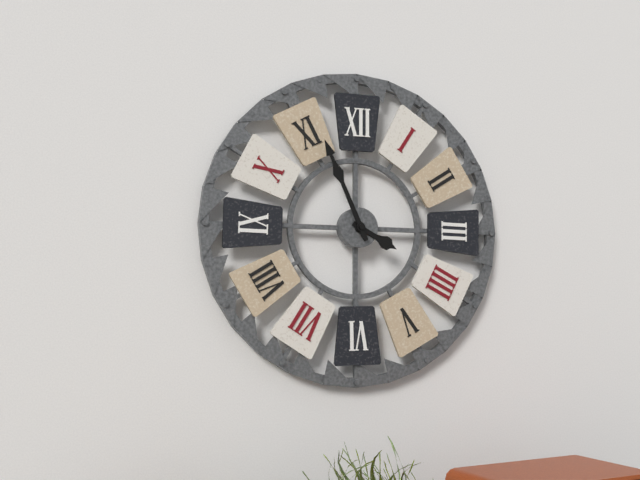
3:56
